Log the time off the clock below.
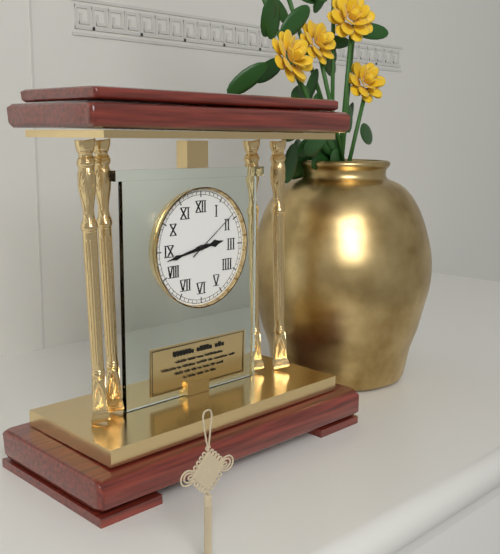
2:43:09
